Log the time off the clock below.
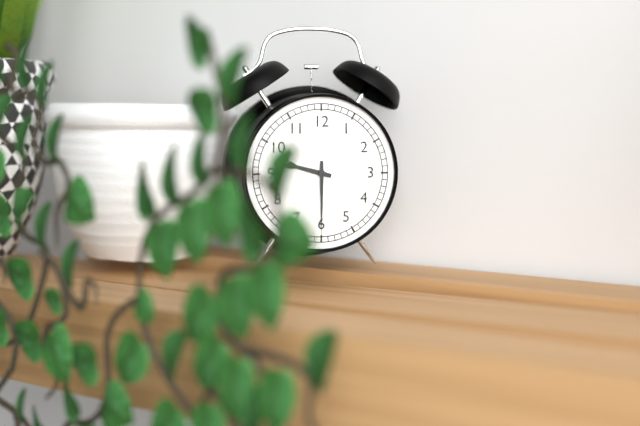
9:30
